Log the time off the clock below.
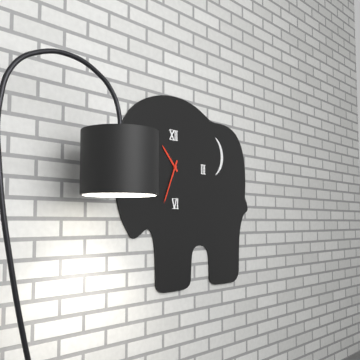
10:34
